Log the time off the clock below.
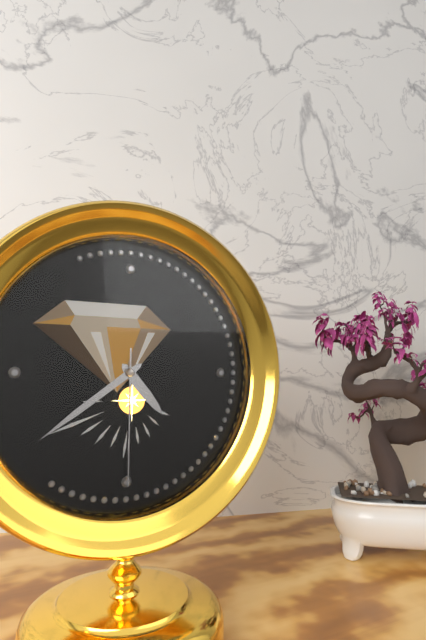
4:39:30
